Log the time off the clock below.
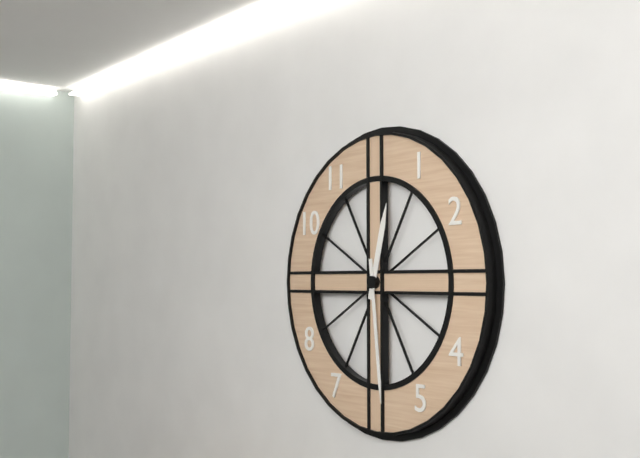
12:29
